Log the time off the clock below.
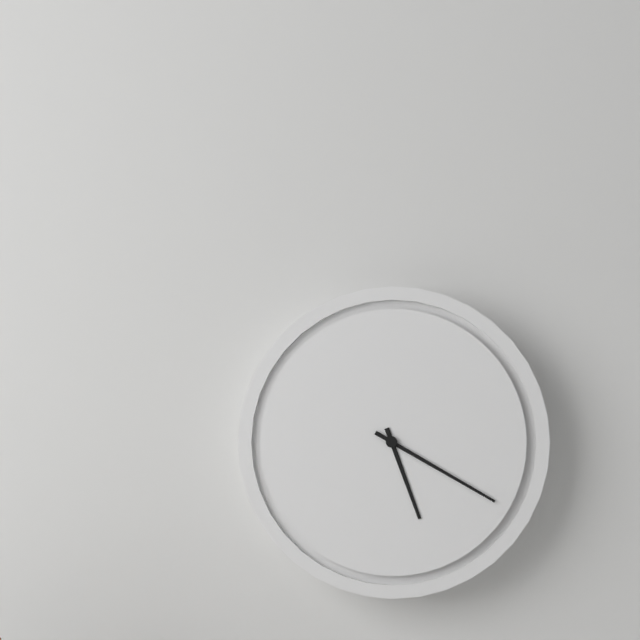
5:20
